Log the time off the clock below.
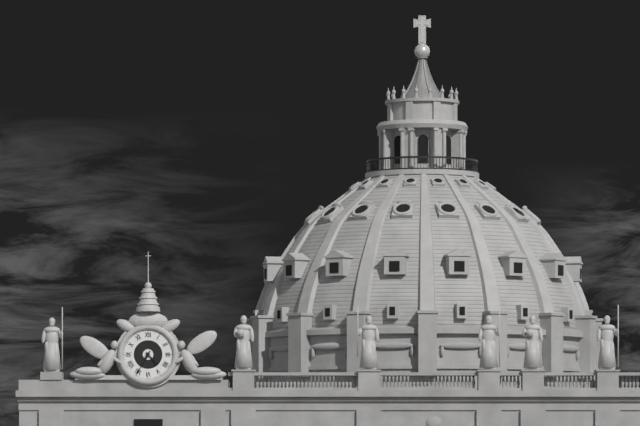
4:35
